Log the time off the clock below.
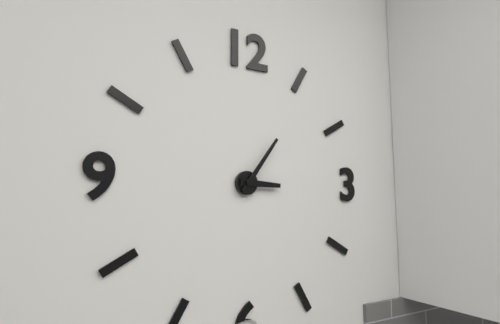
3:06
